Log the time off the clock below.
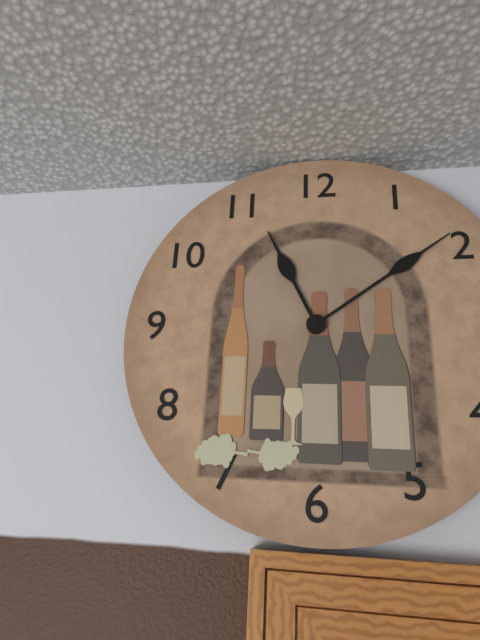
11:09
